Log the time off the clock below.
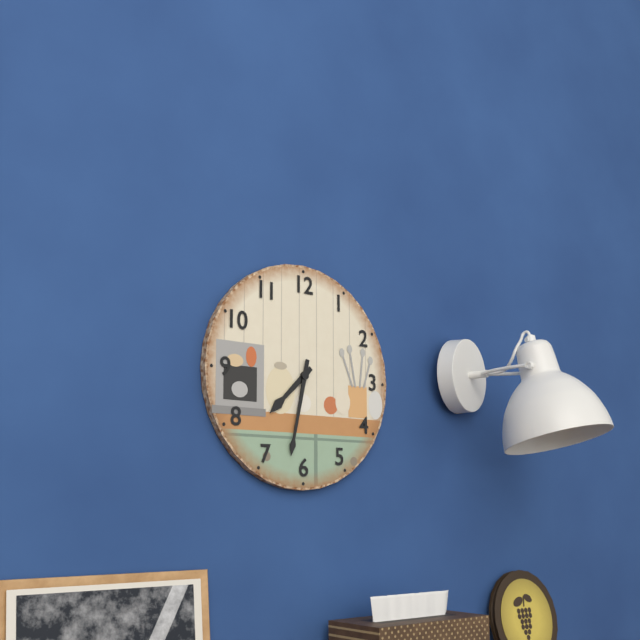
7:32
